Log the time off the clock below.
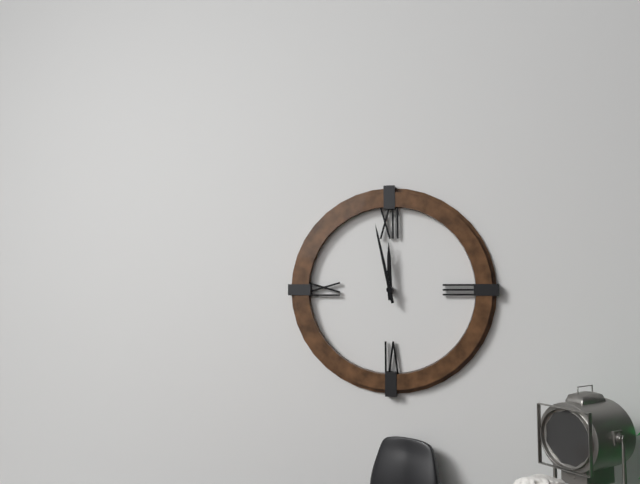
11:58
